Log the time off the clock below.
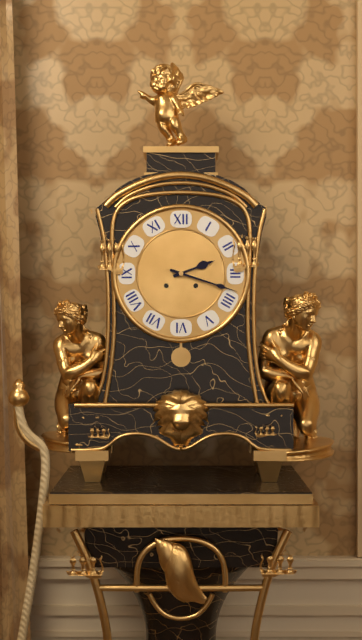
2:18
